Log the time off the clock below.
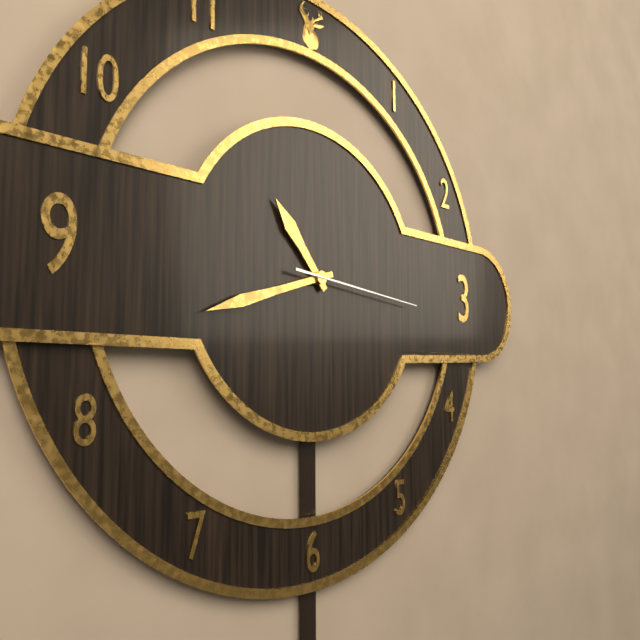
10:42:16
